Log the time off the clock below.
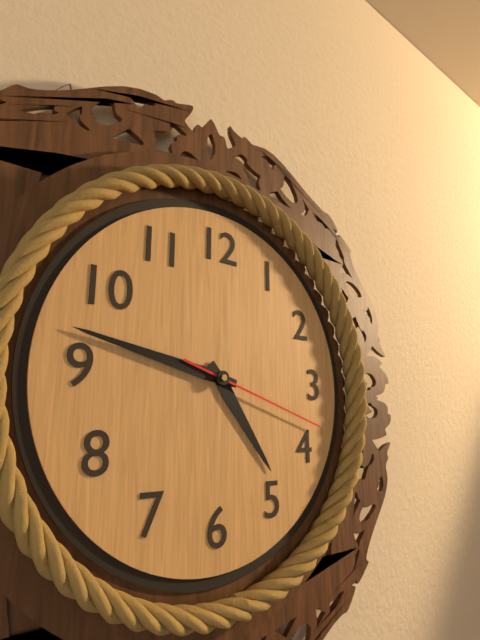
4:47:18
